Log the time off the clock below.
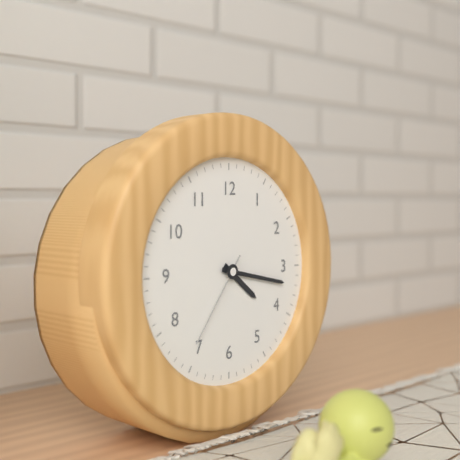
4:17:36
